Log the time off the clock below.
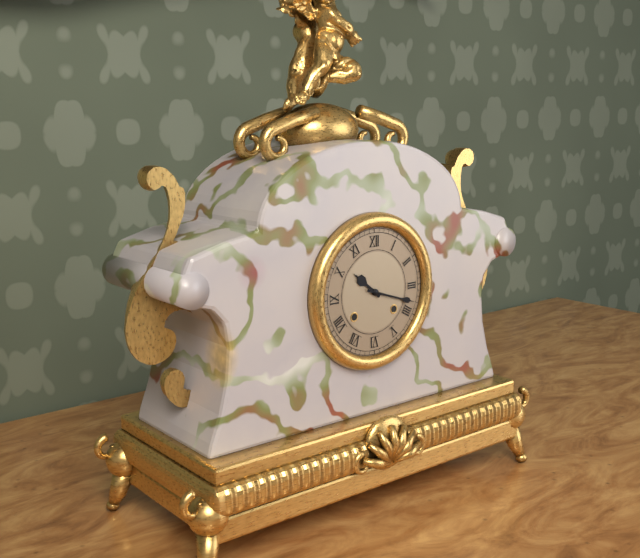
10:18
